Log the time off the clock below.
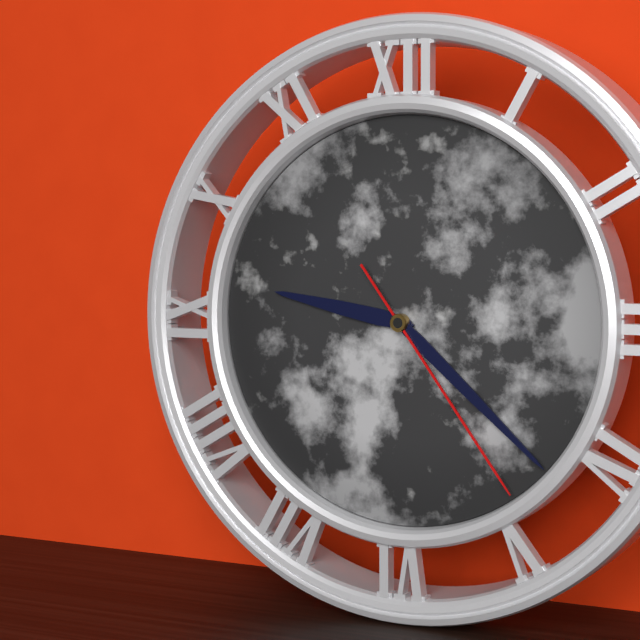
9:22:24
